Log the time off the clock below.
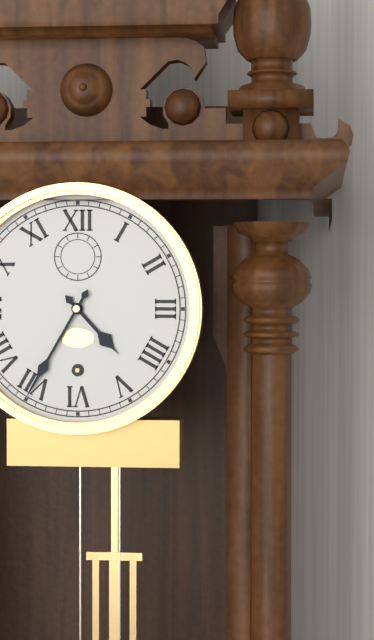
4:35
